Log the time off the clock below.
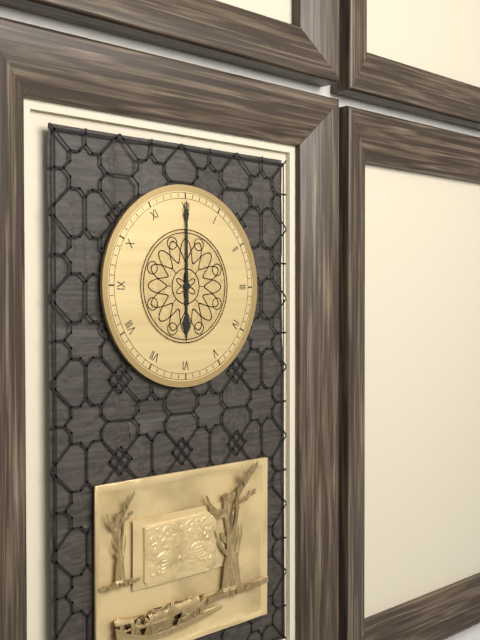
6:00
